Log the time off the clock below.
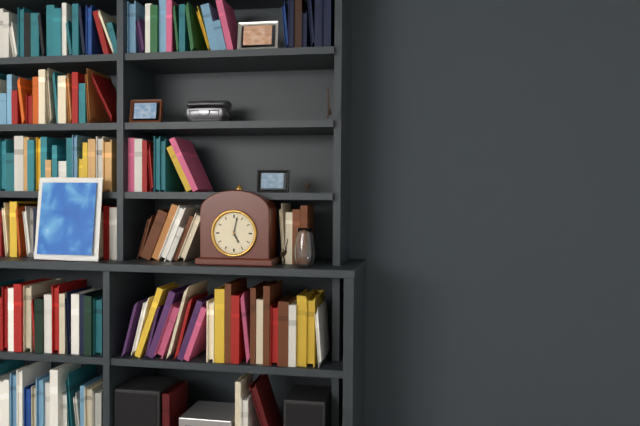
5:02
